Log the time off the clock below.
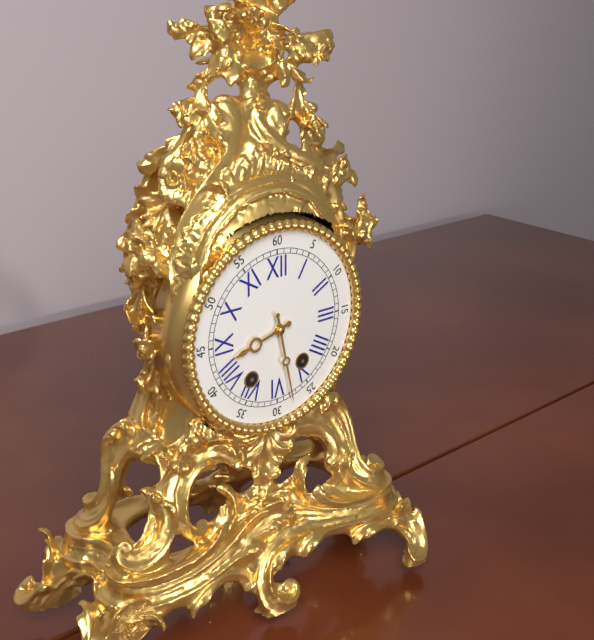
8:28
